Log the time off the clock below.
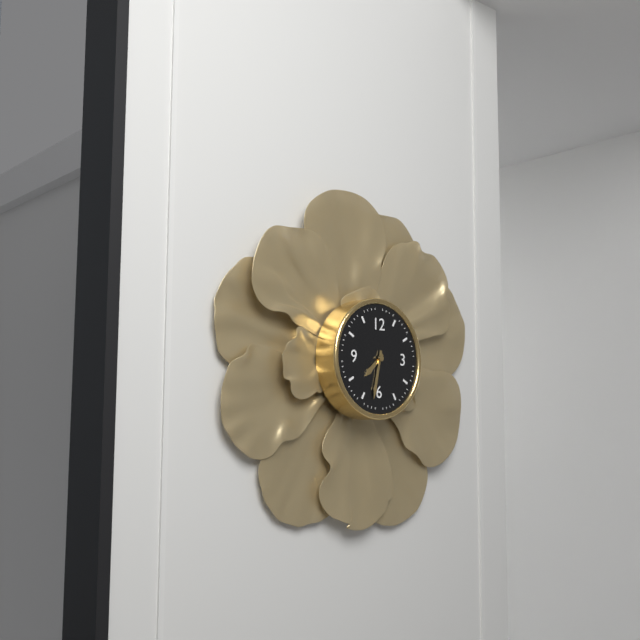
7:32
